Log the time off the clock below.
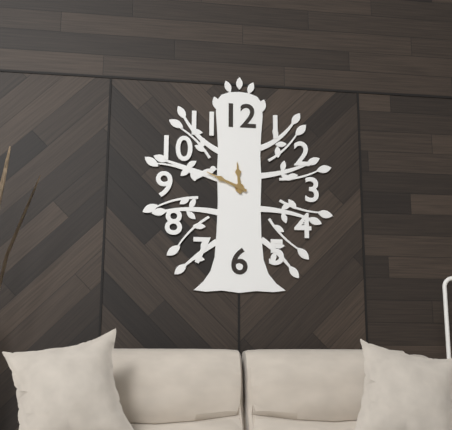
11:49
